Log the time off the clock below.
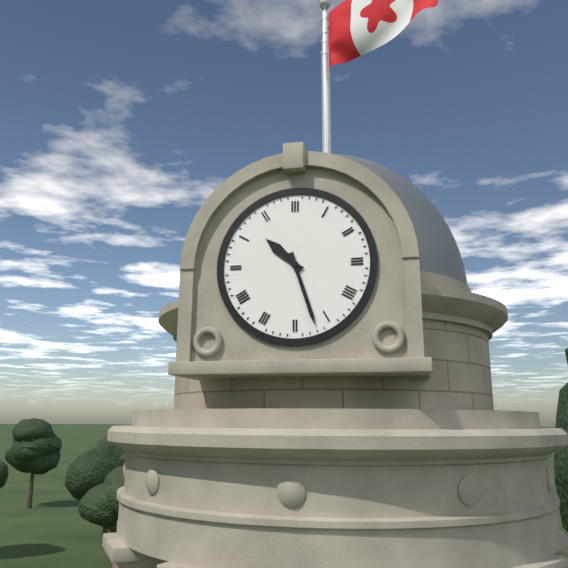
10:27
